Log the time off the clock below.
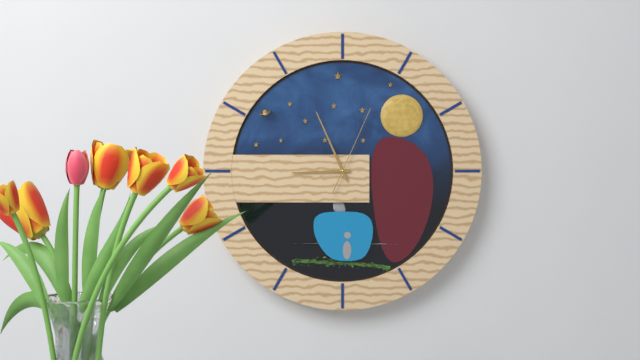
8:56:04
